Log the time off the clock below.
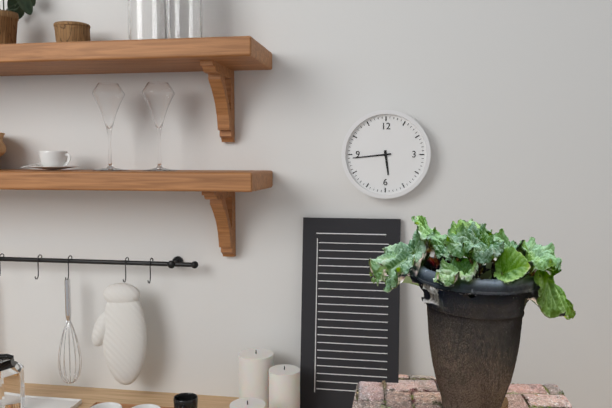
5:44
